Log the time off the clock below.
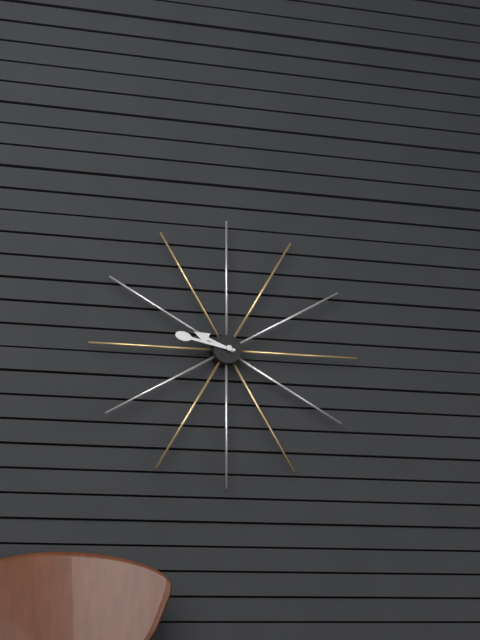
9:47
